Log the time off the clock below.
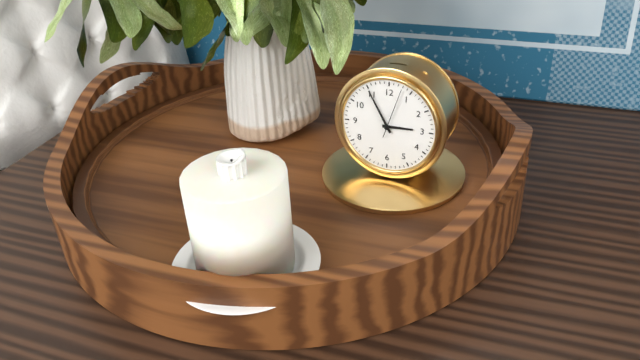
2:55:03
